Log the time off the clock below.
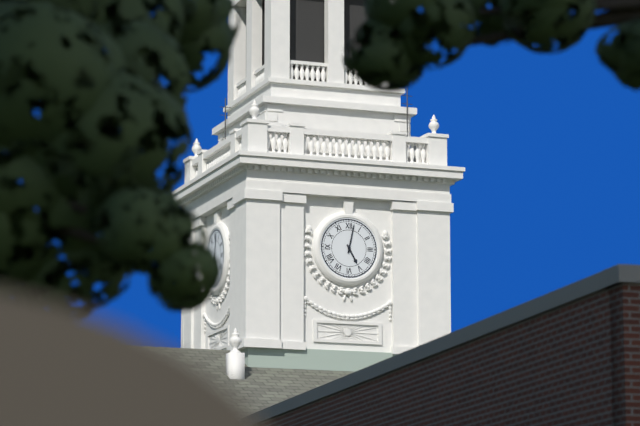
5:02
